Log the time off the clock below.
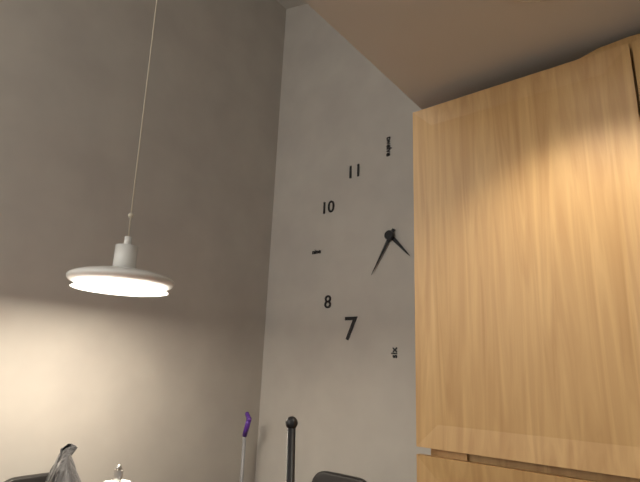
4:35
